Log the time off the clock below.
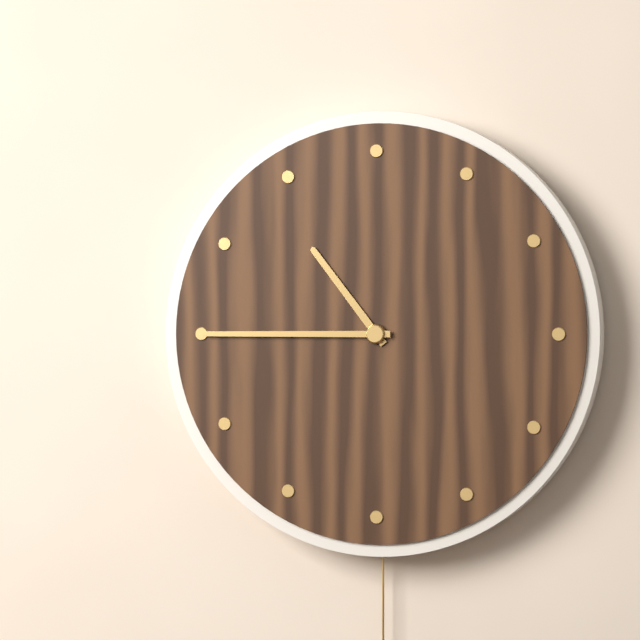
10:45
